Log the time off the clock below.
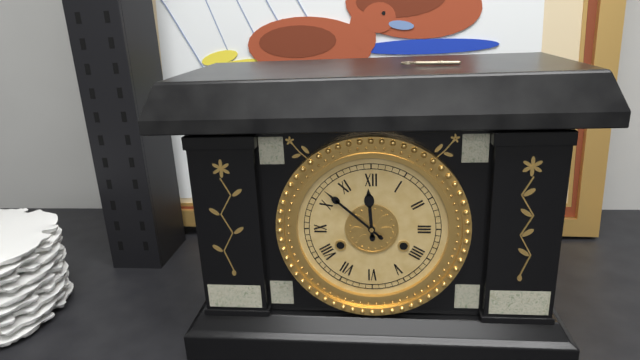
11:52
